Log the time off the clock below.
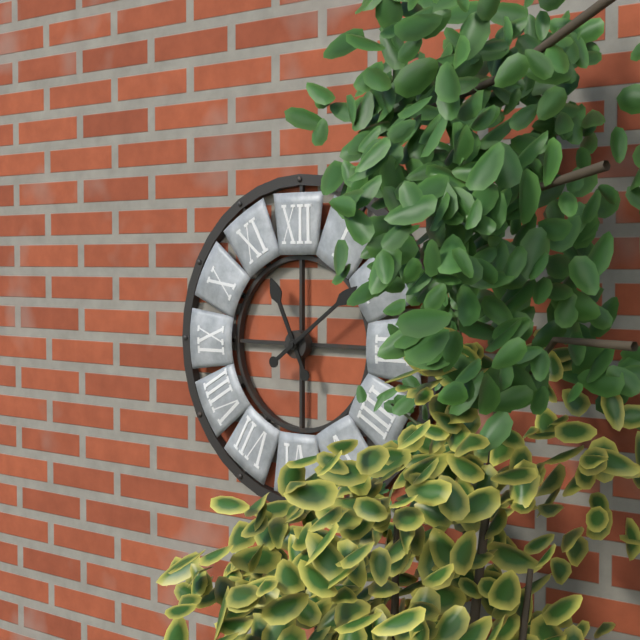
11:09
